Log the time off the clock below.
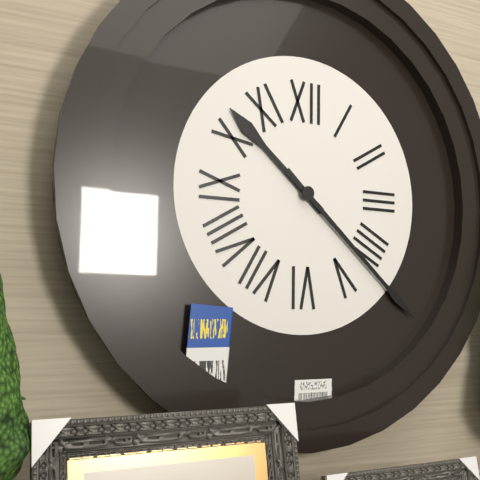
10:22
